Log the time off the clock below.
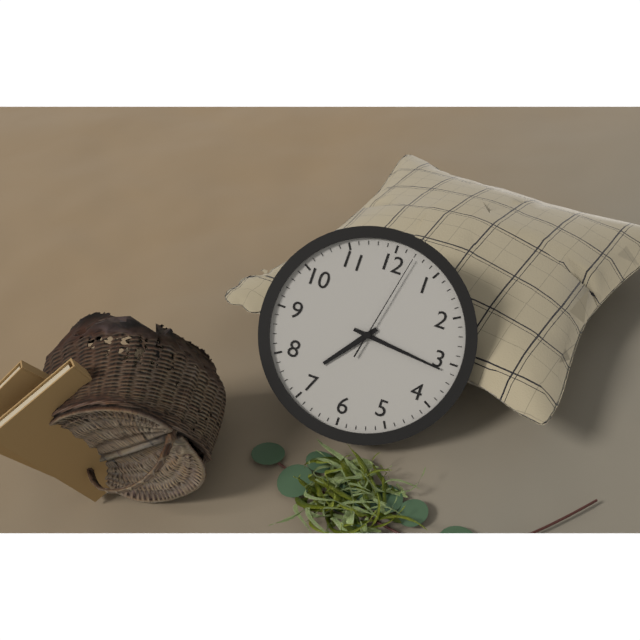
7:16:02
